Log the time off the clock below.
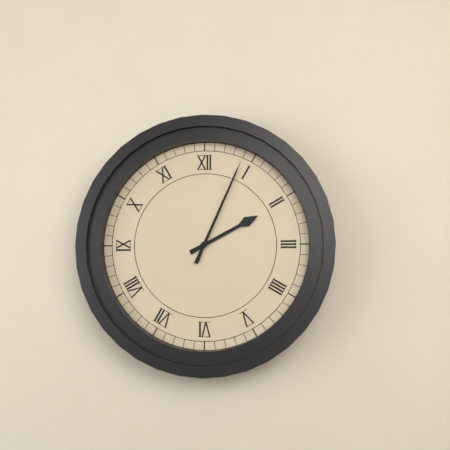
2:04
